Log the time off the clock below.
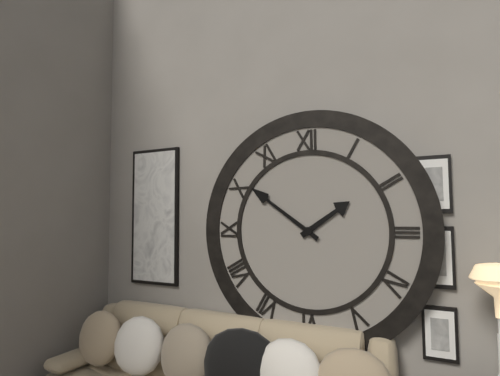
1:51
